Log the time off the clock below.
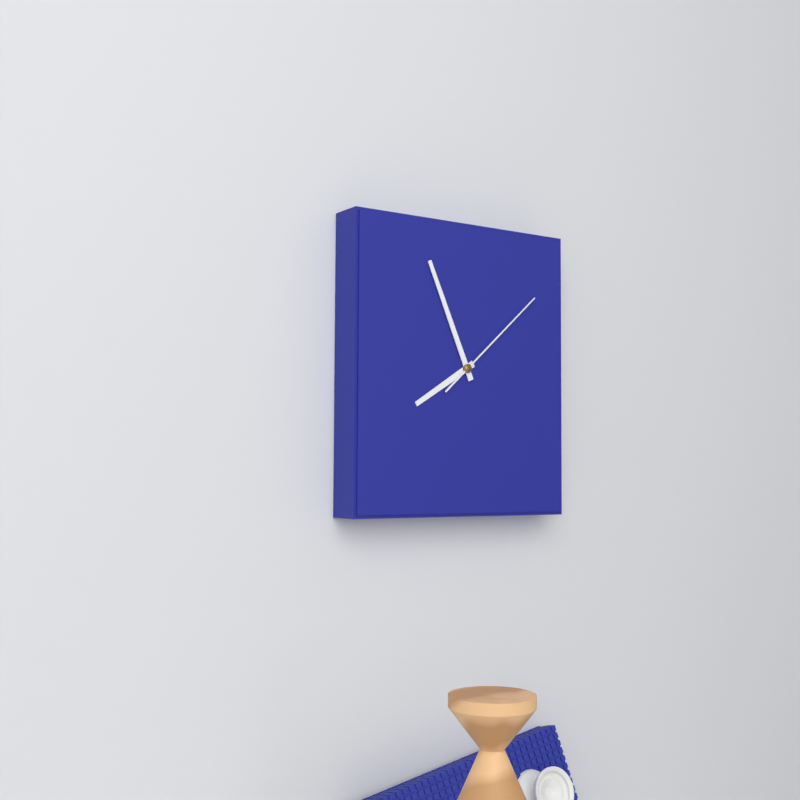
7:56:08
